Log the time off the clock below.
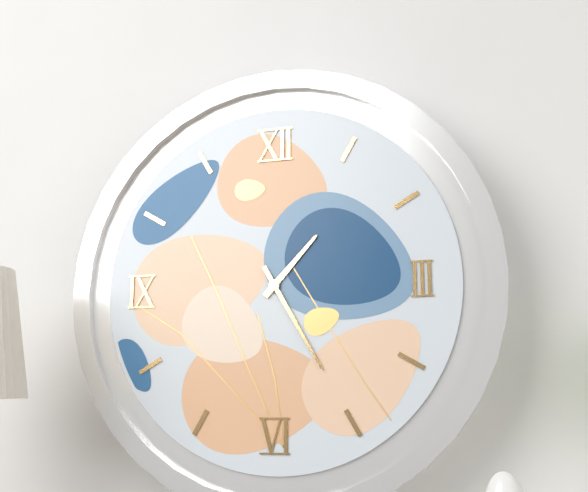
1:25
